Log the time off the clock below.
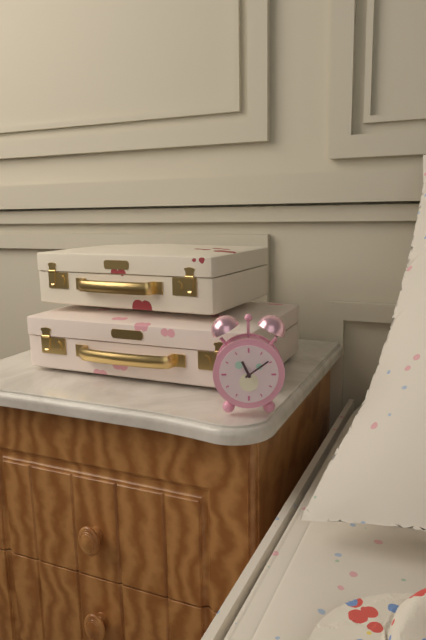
11:09
